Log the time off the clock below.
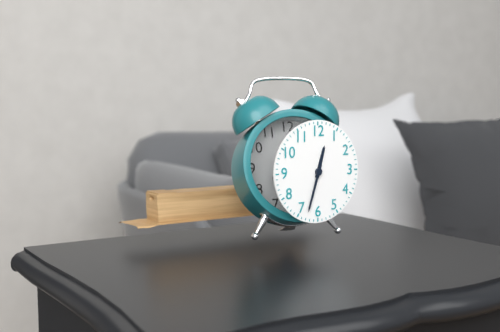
12:33
